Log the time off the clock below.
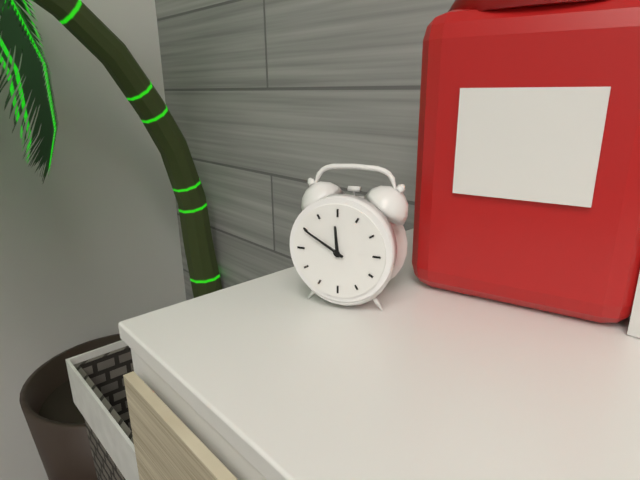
11:50
